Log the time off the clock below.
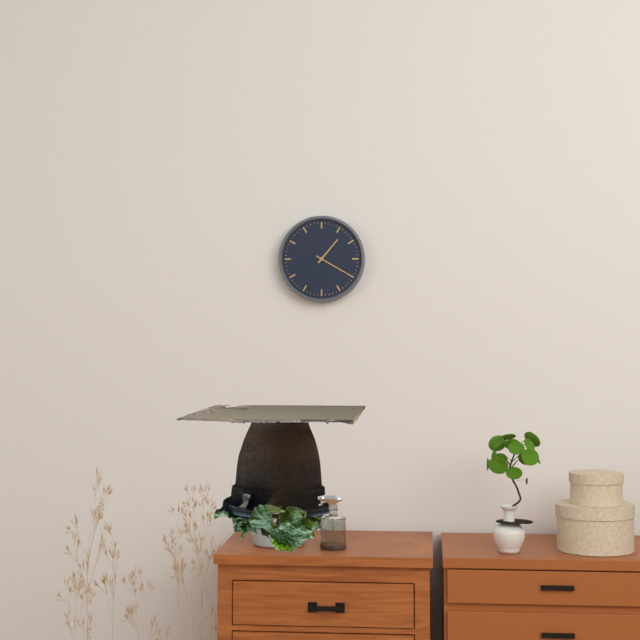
1:20
